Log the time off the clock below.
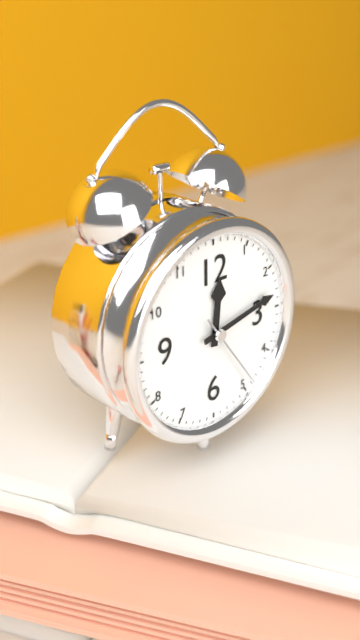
12:13:24
